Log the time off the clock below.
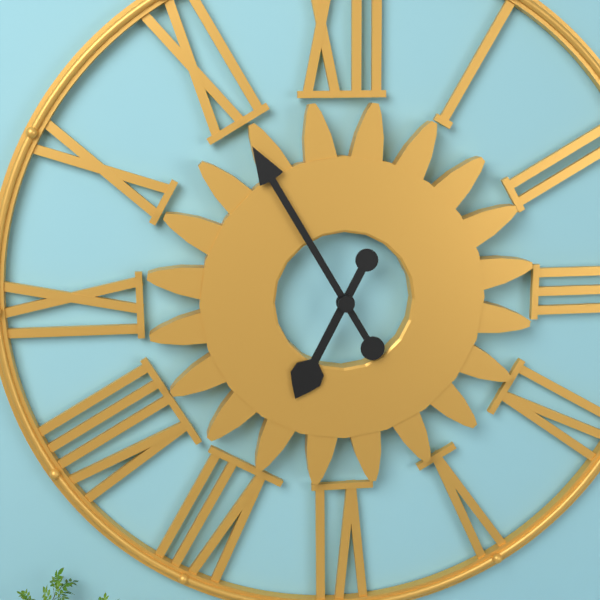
6:55
